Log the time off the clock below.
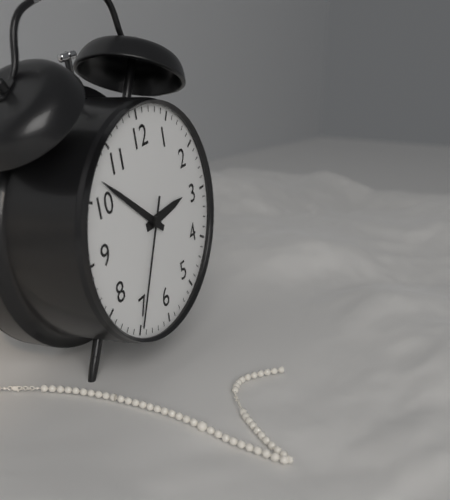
2:52:35
